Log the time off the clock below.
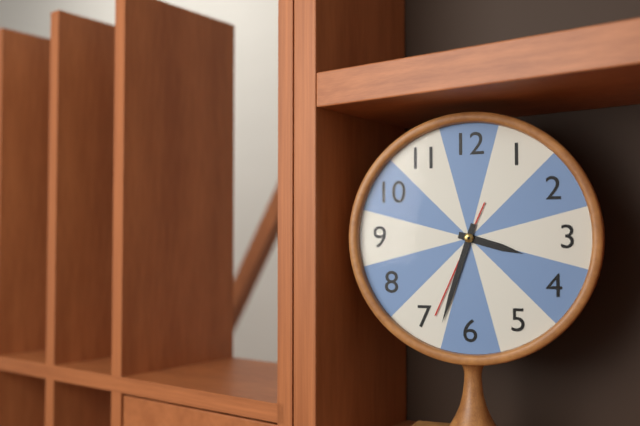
3:33:34
